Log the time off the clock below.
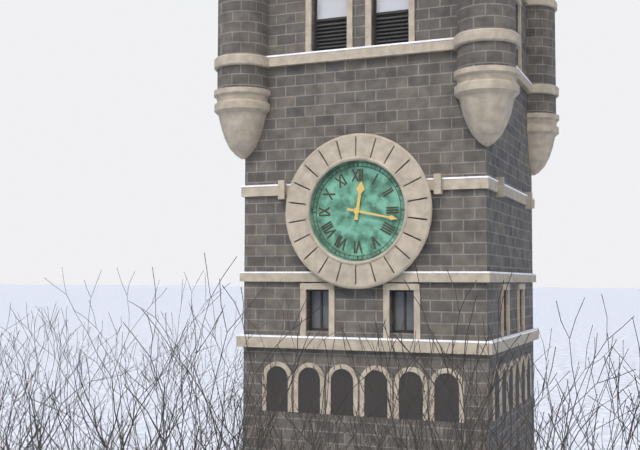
12:17
